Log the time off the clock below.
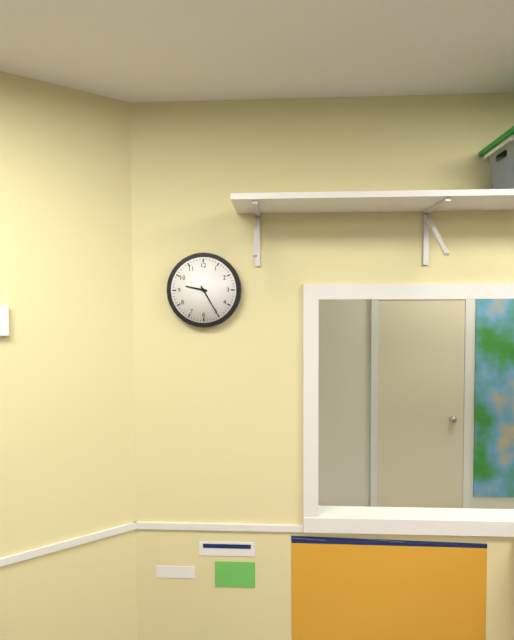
9:25
